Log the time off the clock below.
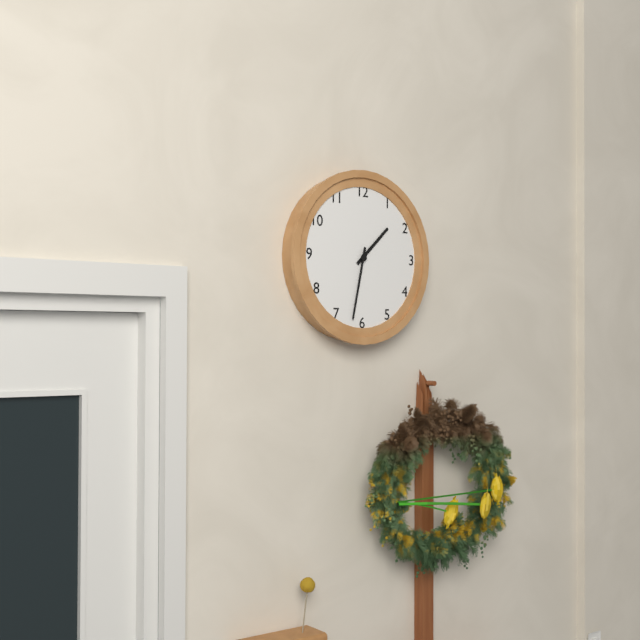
1:32
